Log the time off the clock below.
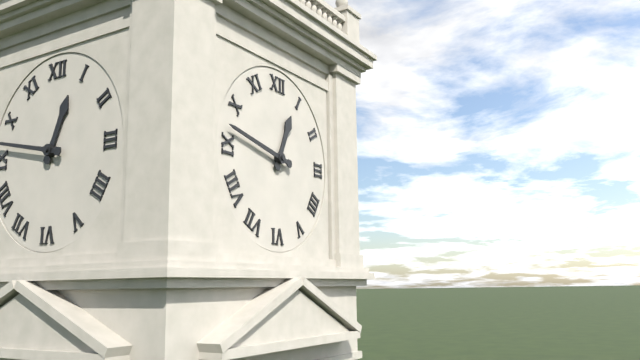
12:47
